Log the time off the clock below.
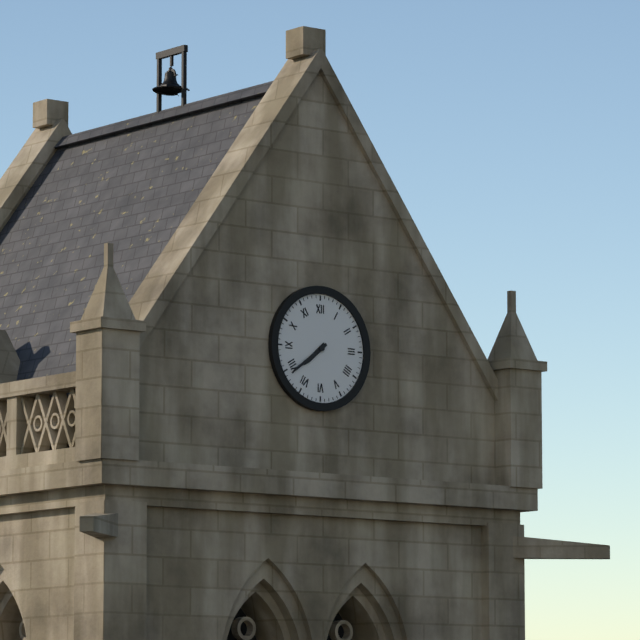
7:39
